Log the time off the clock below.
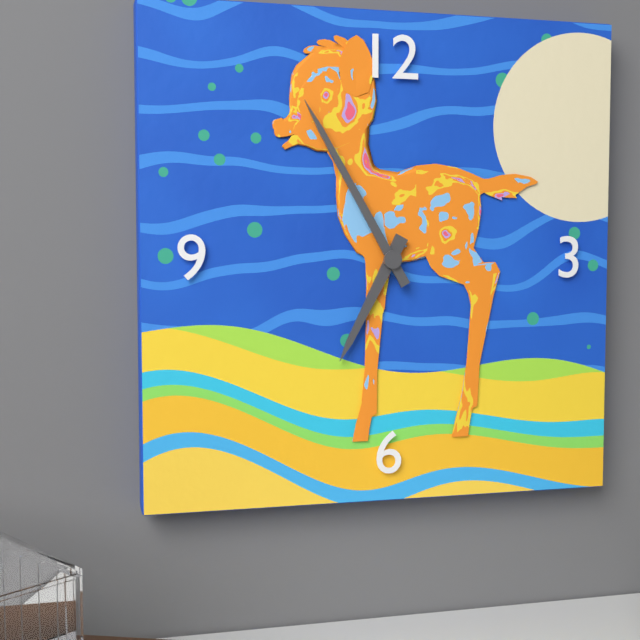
6:55
